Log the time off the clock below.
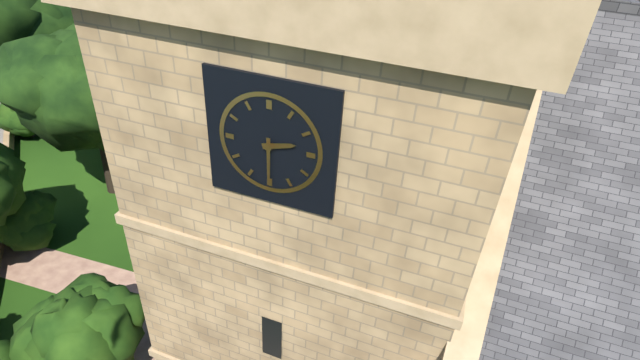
2:30
